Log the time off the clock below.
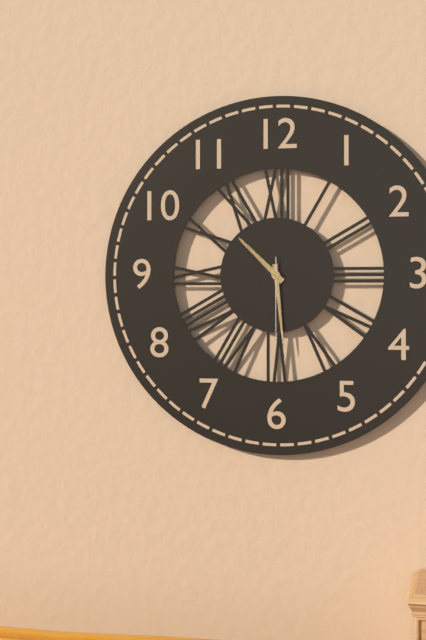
10:29:30
